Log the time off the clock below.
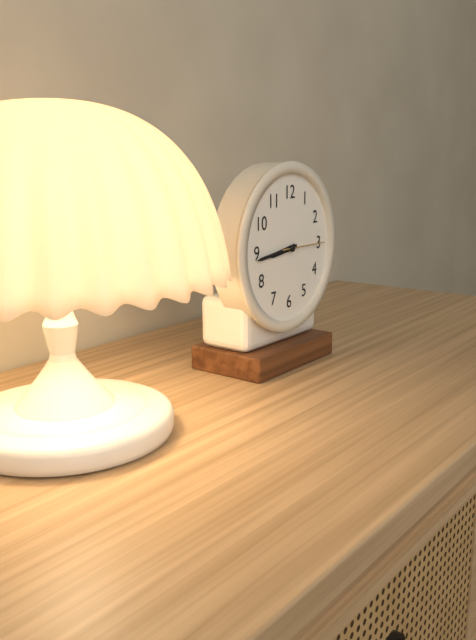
8:44
